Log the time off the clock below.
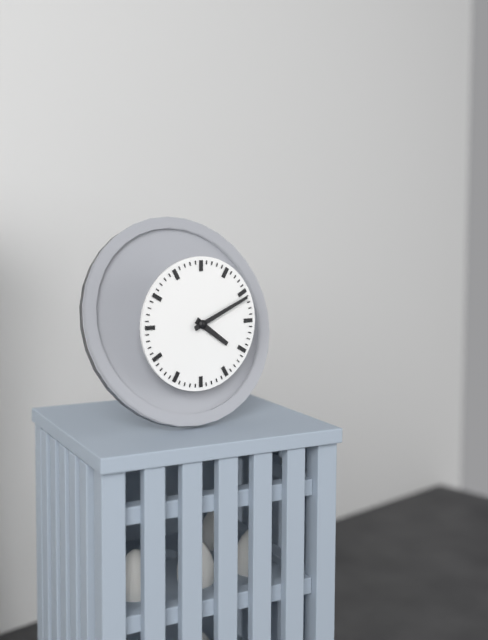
4:11
